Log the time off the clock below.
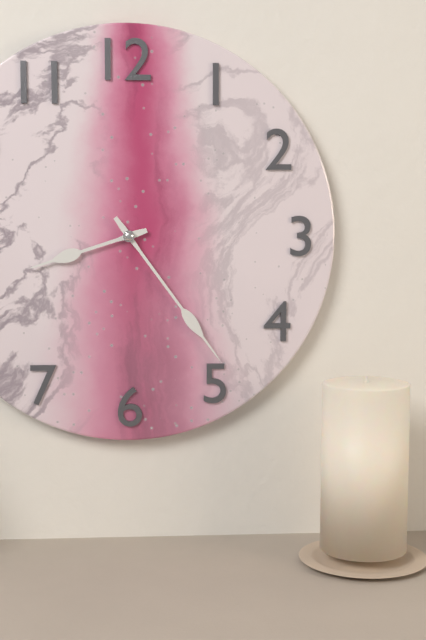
8:24
